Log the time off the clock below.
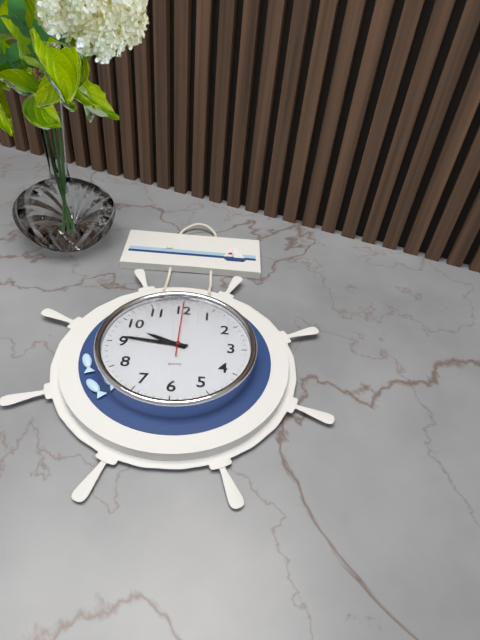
9:46:00
